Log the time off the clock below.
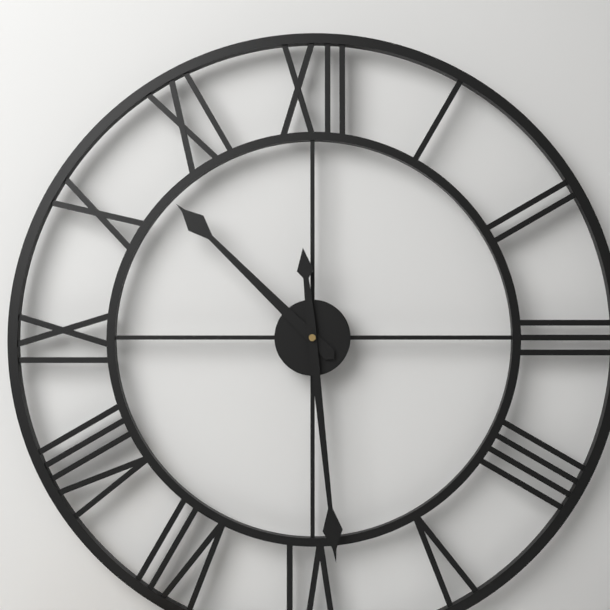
10:29
